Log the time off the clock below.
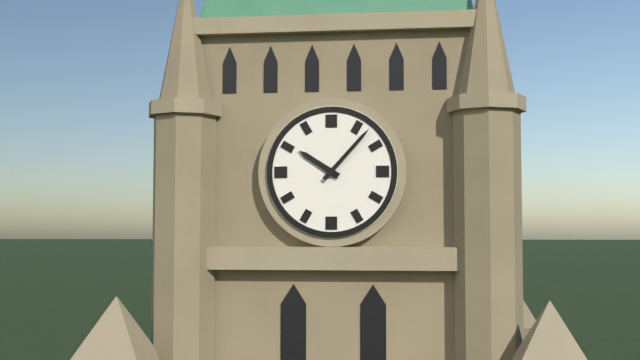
10:07
